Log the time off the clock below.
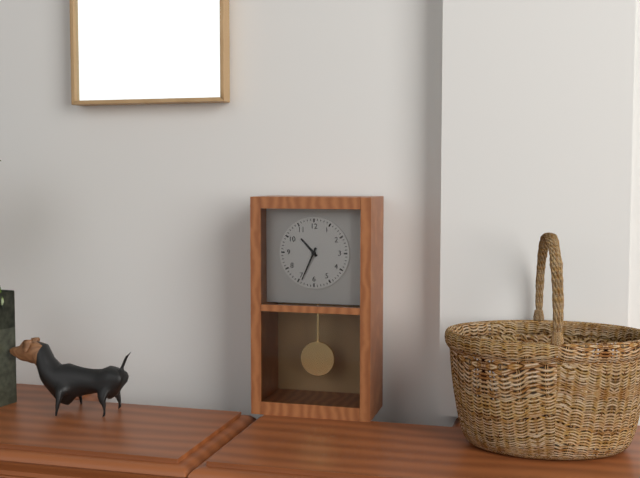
10:34
